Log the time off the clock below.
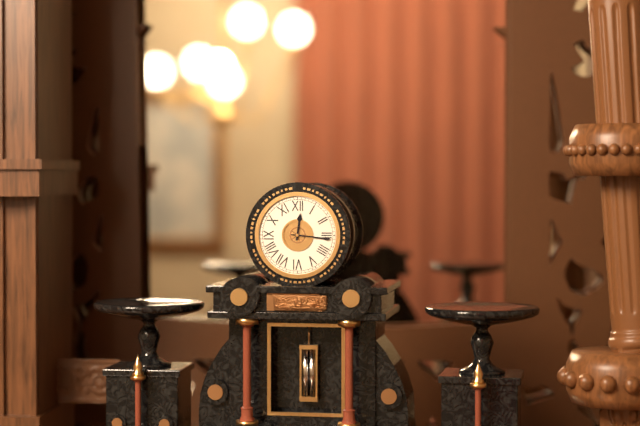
12:16
